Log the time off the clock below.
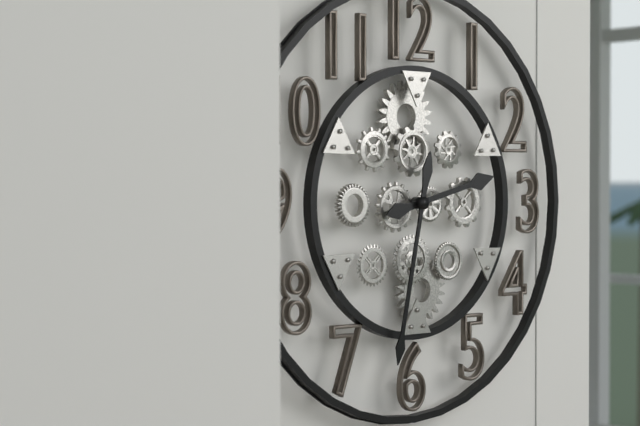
2:32
